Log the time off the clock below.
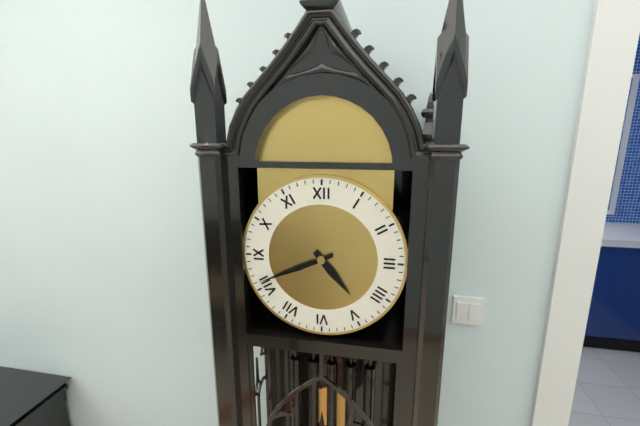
4:41
